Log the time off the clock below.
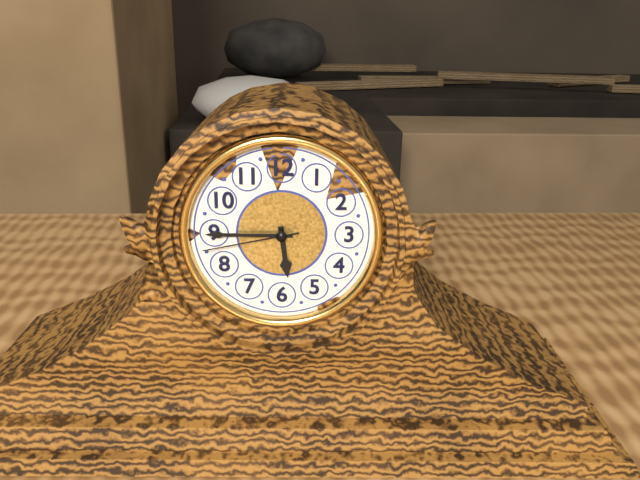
5:45:43
